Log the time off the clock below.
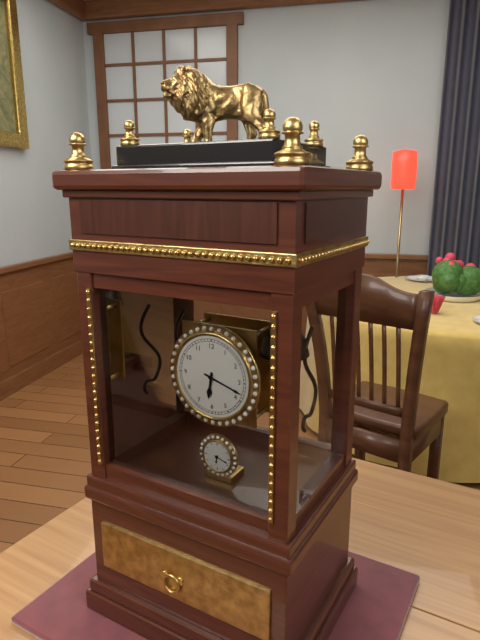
6:18
